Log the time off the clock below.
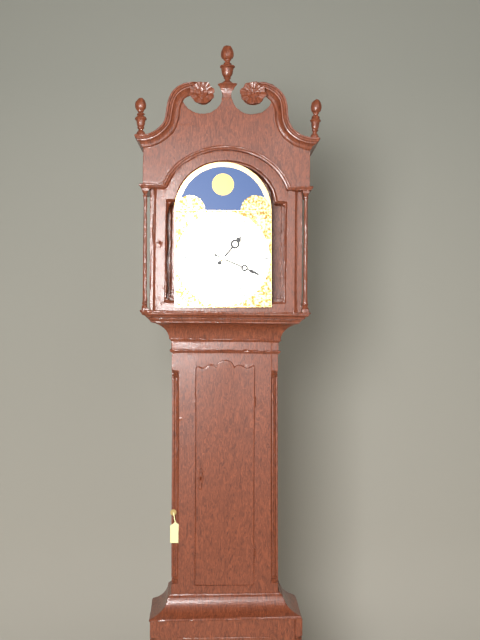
1:19
